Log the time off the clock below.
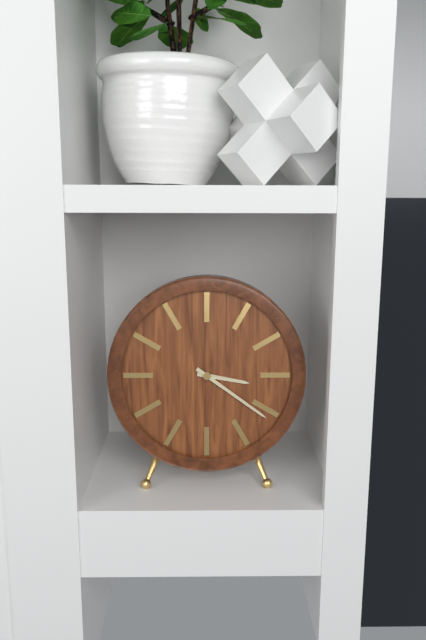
3:21
